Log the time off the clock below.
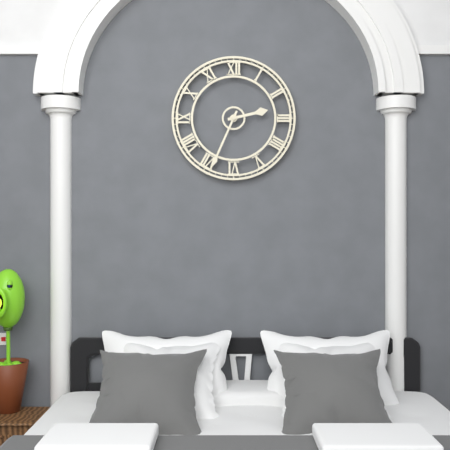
2:34
